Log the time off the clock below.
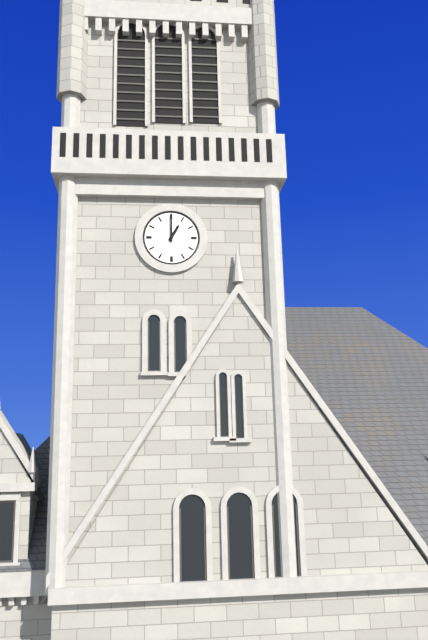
1:00
